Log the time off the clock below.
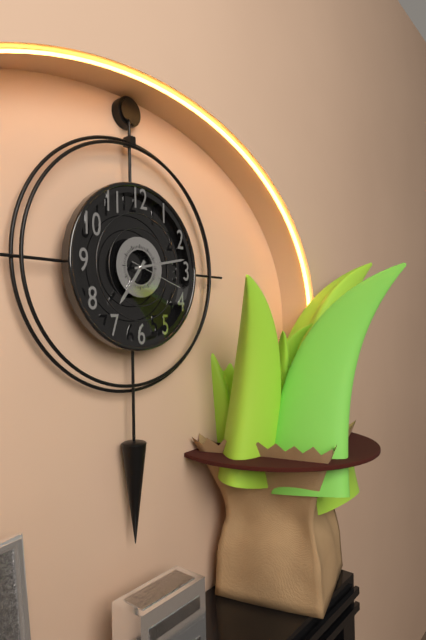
7:13:18
